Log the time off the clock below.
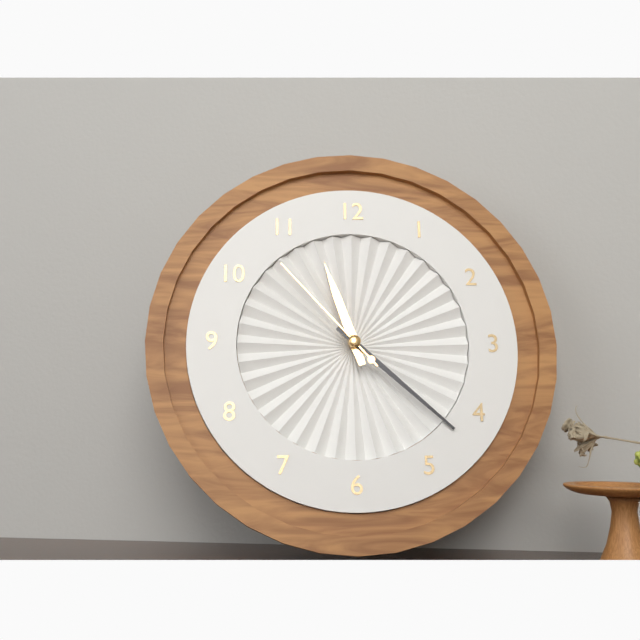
11:22:53
